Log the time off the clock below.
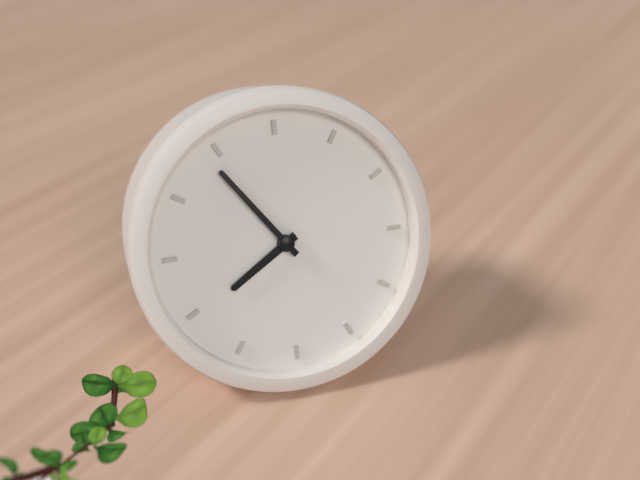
7:54
